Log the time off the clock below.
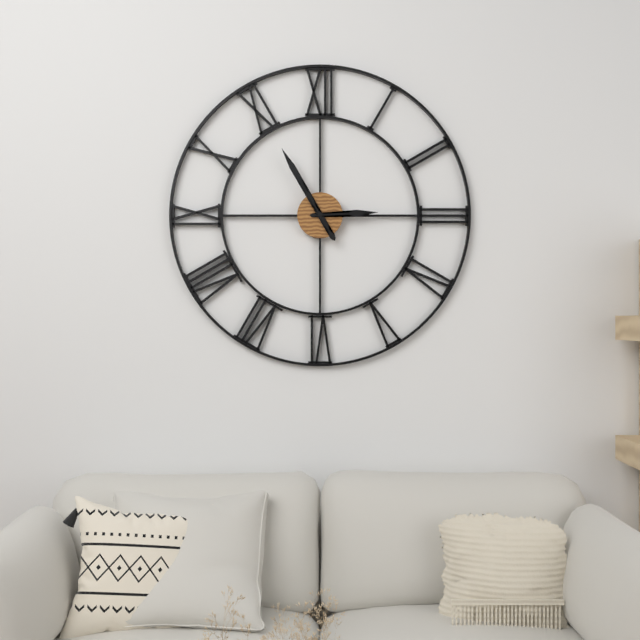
2:55
